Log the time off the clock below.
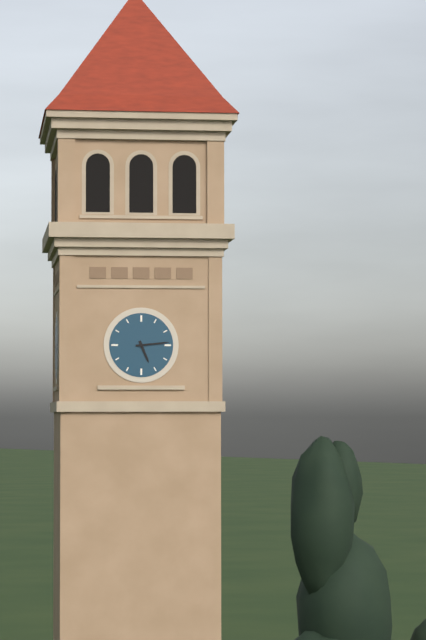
5:14
